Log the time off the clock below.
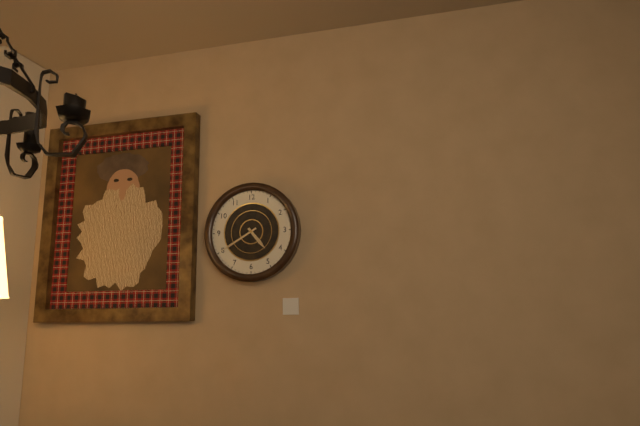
4:40
